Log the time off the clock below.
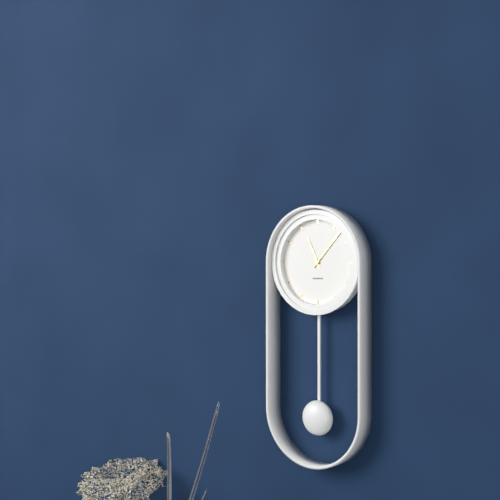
11:07
